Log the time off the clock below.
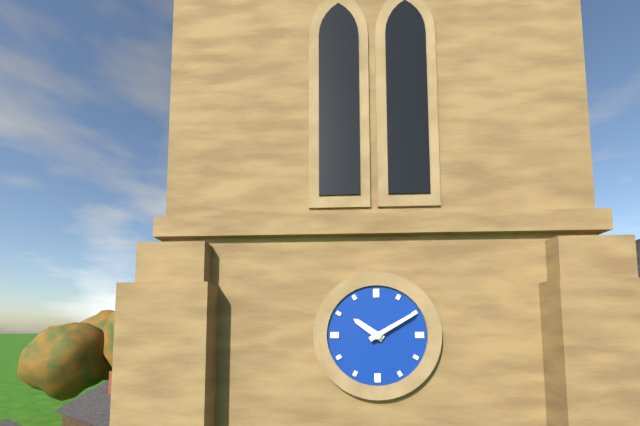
10:10
